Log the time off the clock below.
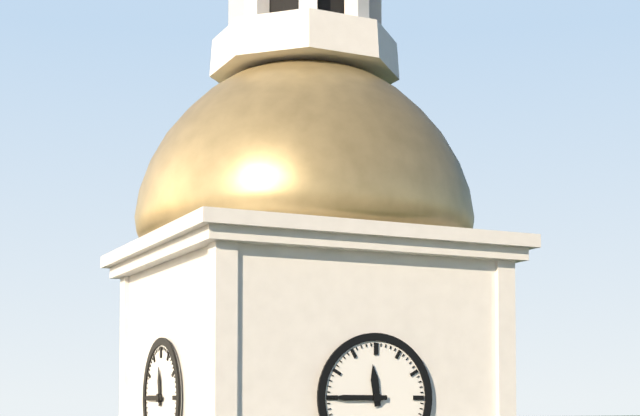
11:45
